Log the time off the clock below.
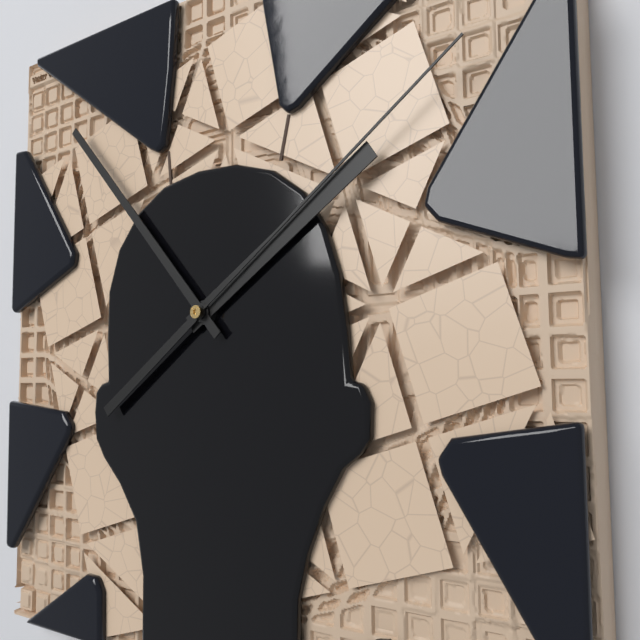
1:53:09
